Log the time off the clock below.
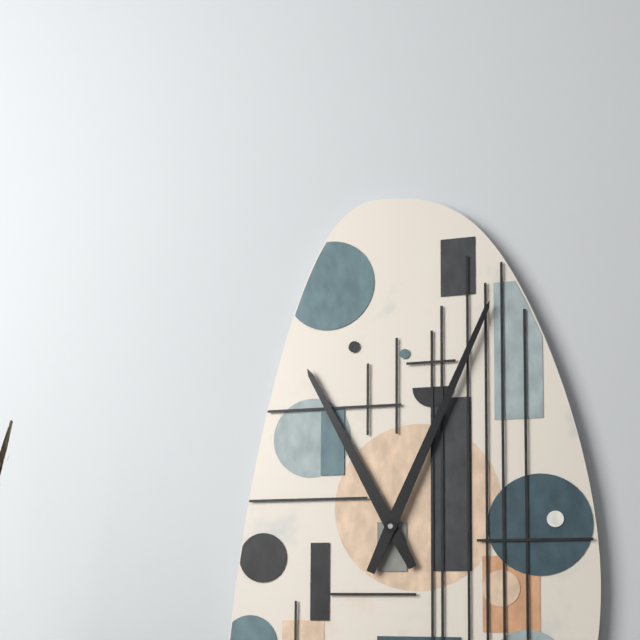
11:04
